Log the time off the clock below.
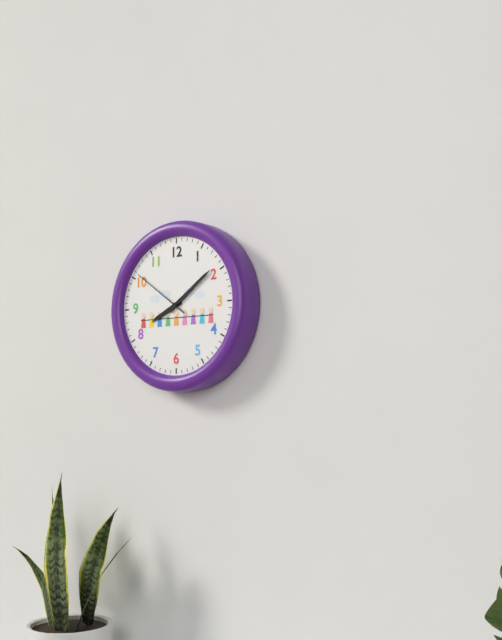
8:09:51
